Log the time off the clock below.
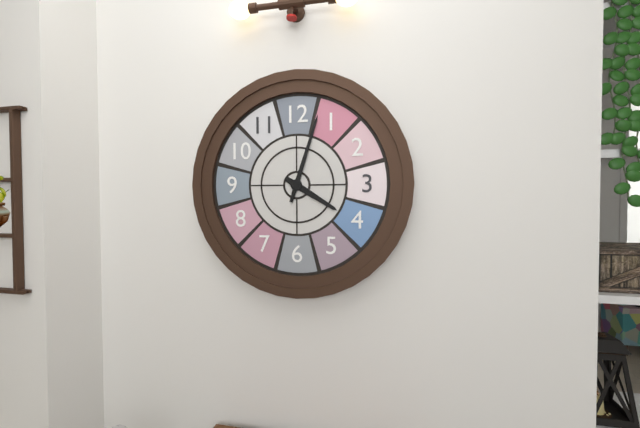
4:03
